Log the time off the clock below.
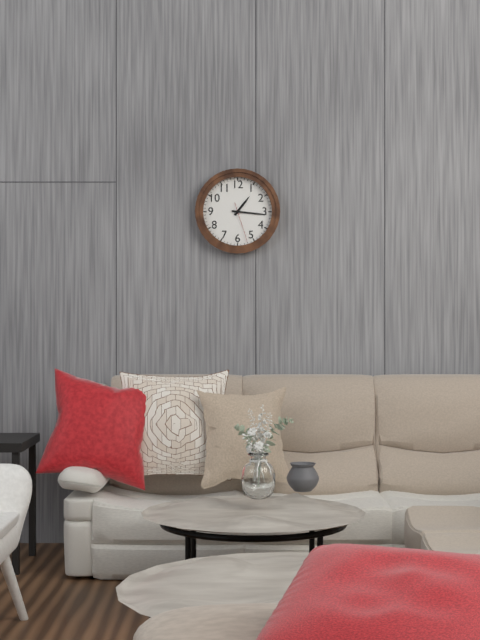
1:16
